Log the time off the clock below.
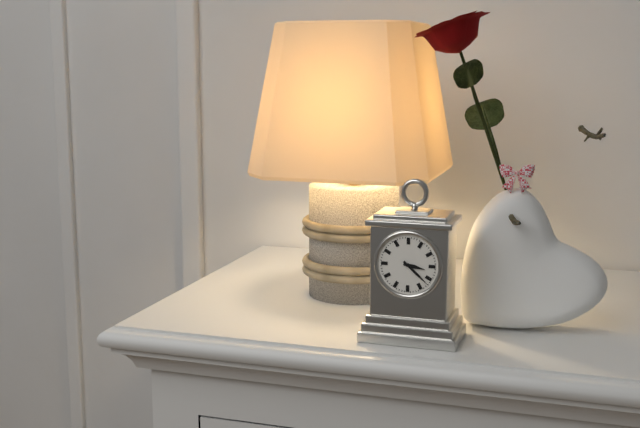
3:22
